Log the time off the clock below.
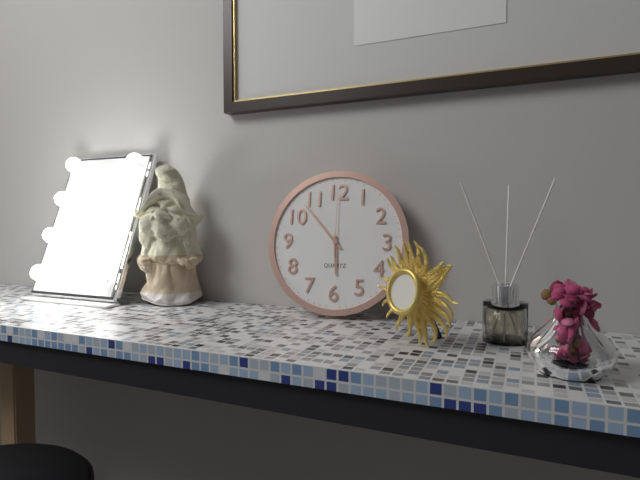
5:53:00
